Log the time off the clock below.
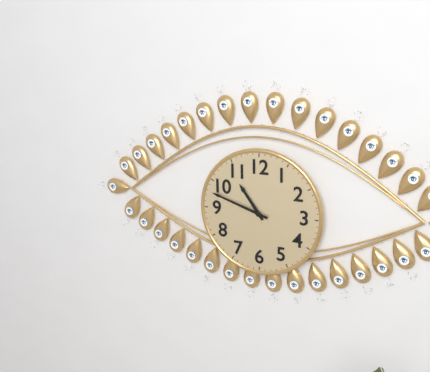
10:48
